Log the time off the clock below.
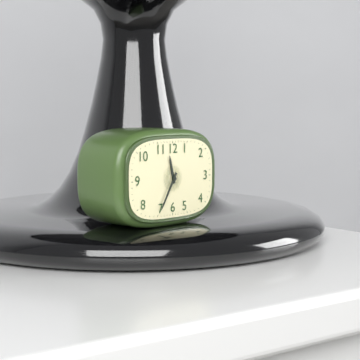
11:35
